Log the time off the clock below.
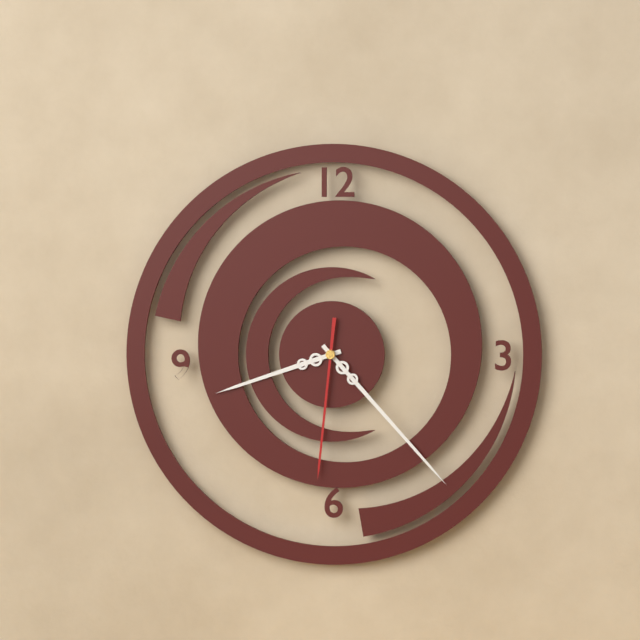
8:23:31
